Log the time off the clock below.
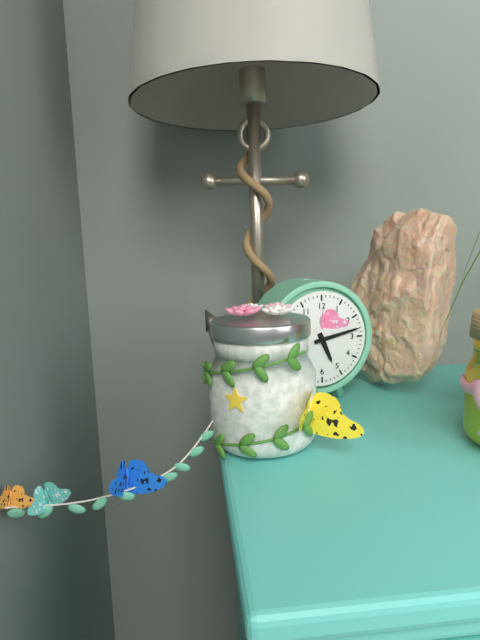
5:13
